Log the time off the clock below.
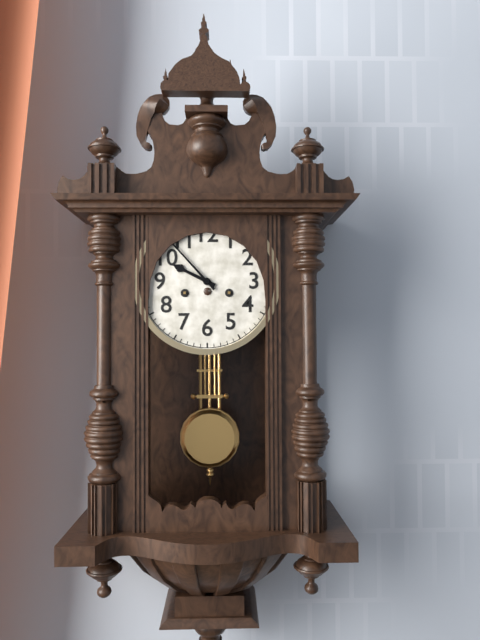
9:53
